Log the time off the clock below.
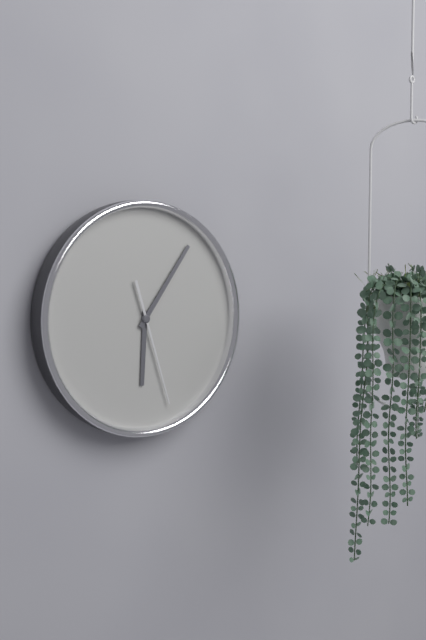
6:06:27
